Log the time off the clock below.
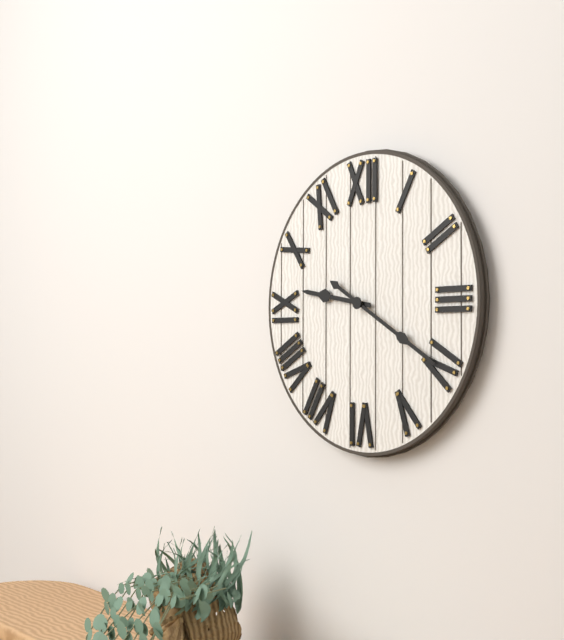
9:20
